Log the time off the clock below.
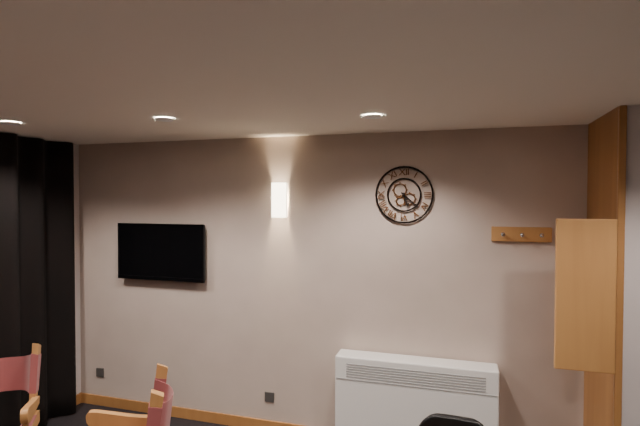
5:22
